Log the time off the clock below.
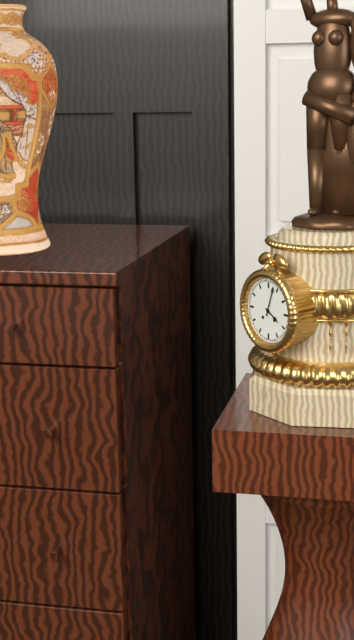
4:03
